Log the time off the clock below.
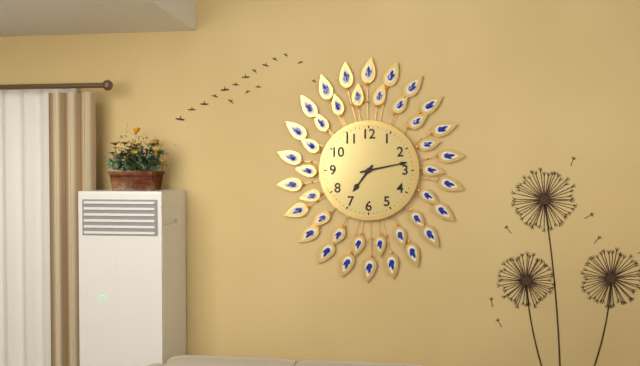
7:13
